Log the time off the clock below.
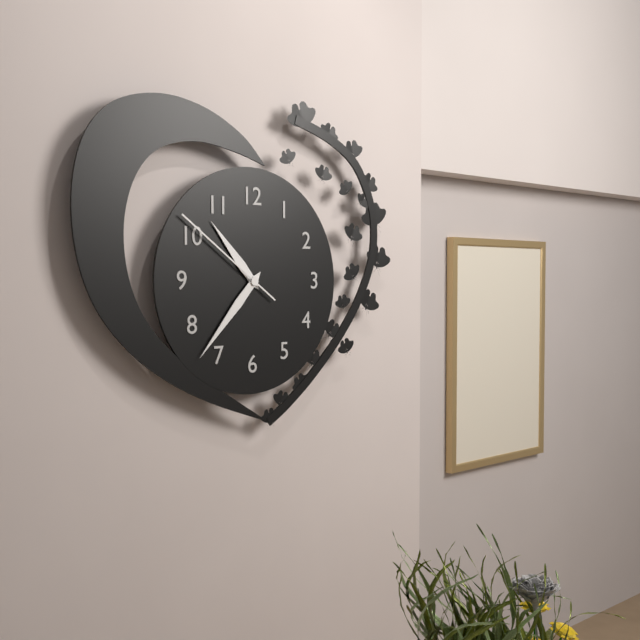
10:37:51
